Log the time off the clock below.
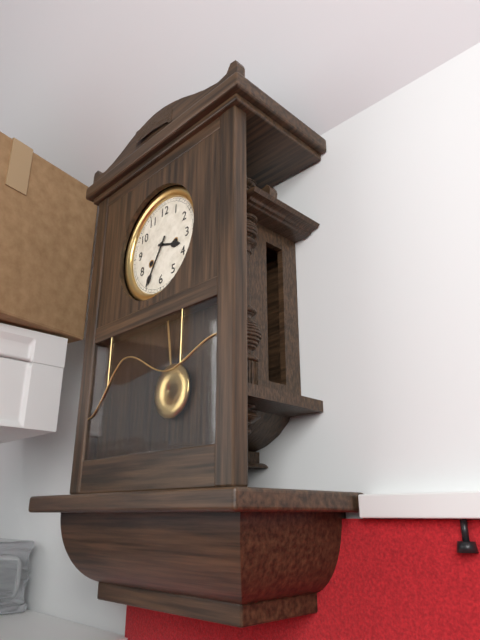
3:35
